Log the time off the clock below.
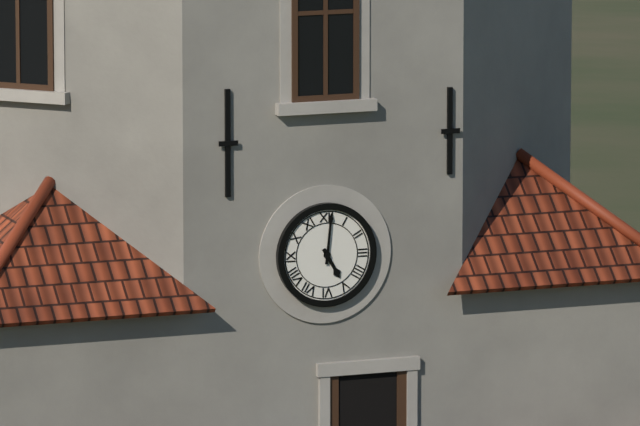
5:01
